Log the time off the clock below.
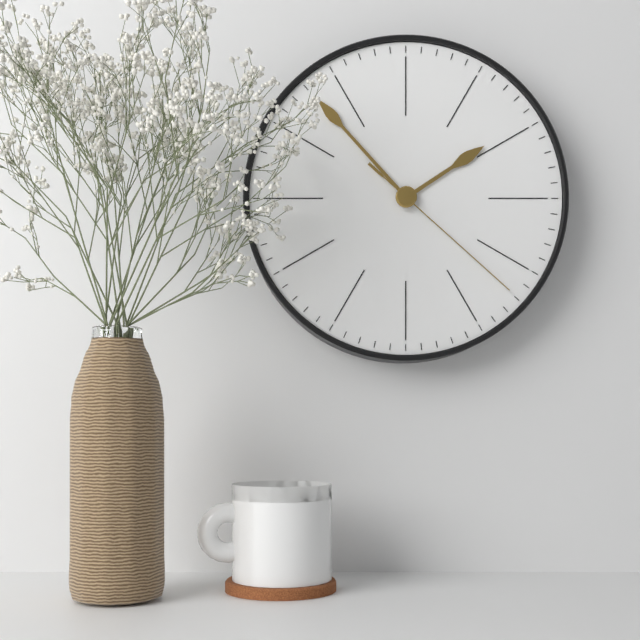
1:53:22
